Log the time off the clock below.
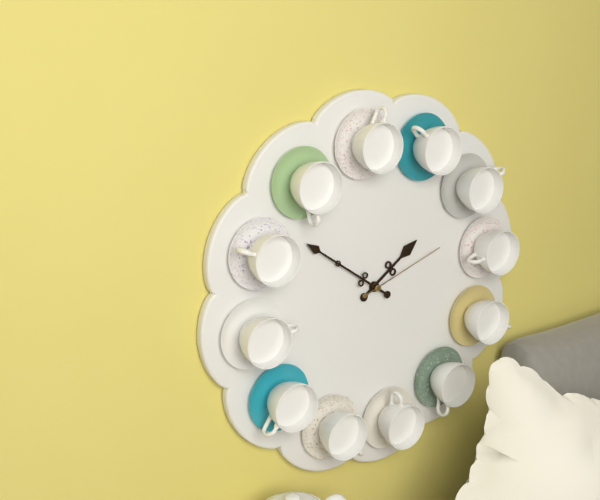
1:51:12
